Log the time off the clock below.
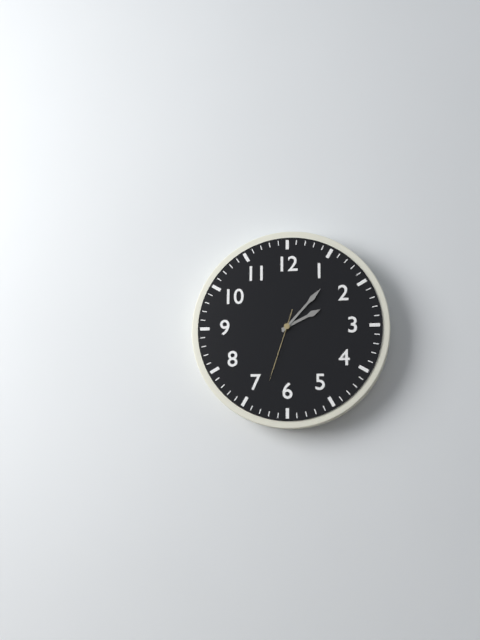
2:07:33
